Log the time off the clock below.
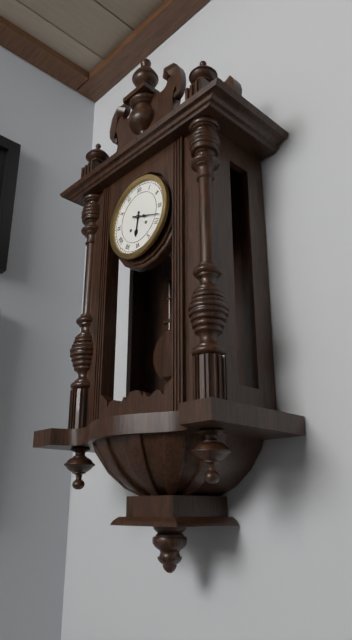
6:18
